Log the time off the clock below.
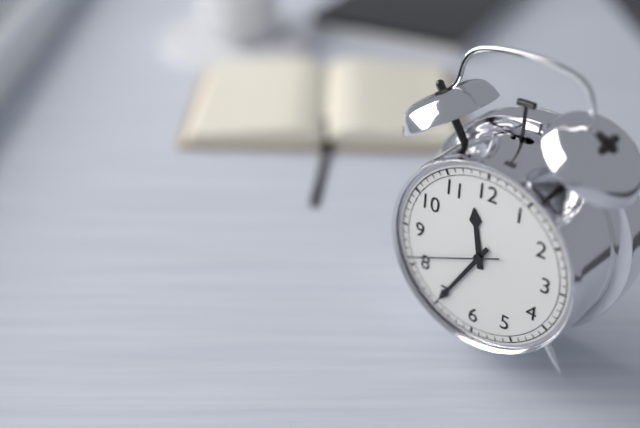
11:35:41
